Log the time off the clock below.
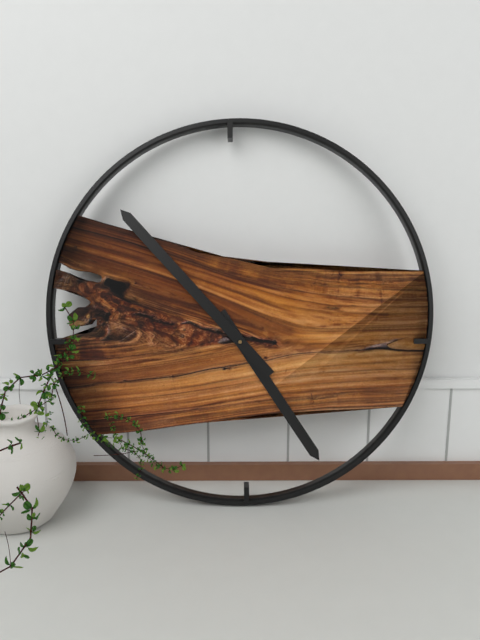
4:53
